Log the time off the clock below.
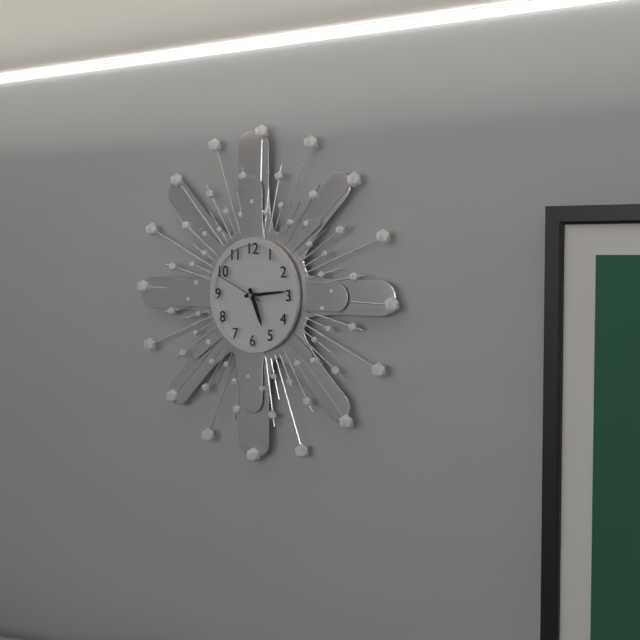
5:14
